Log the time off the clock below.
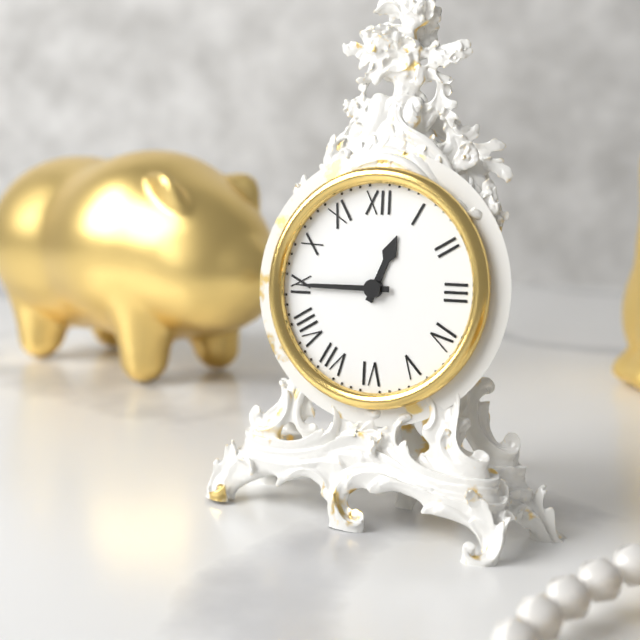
12:45
